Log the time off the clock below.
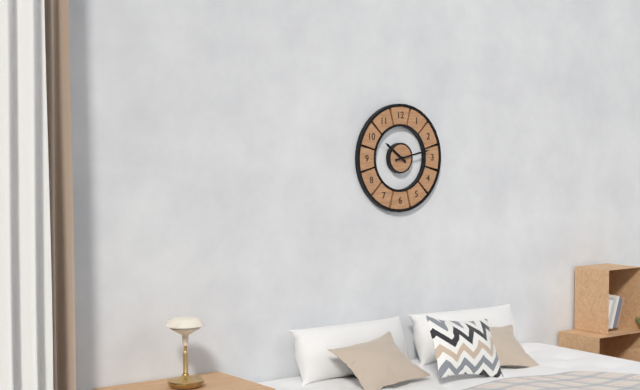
10:13
